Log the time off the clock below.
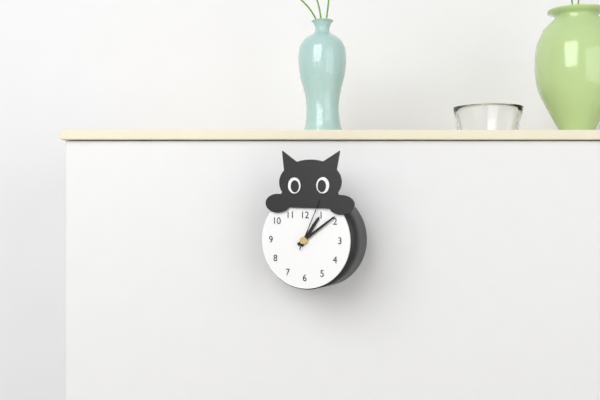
1:09:04
